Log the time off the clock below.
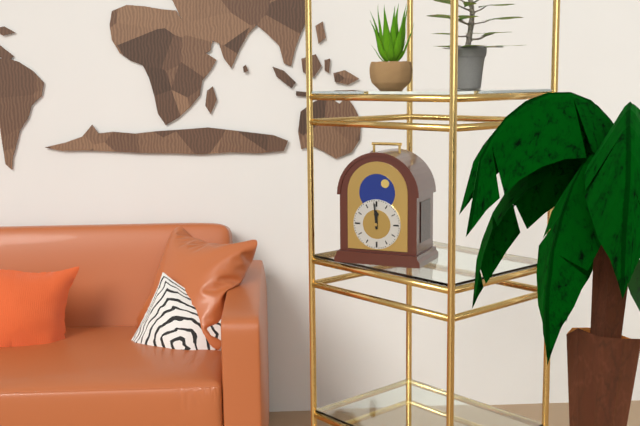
11:59
